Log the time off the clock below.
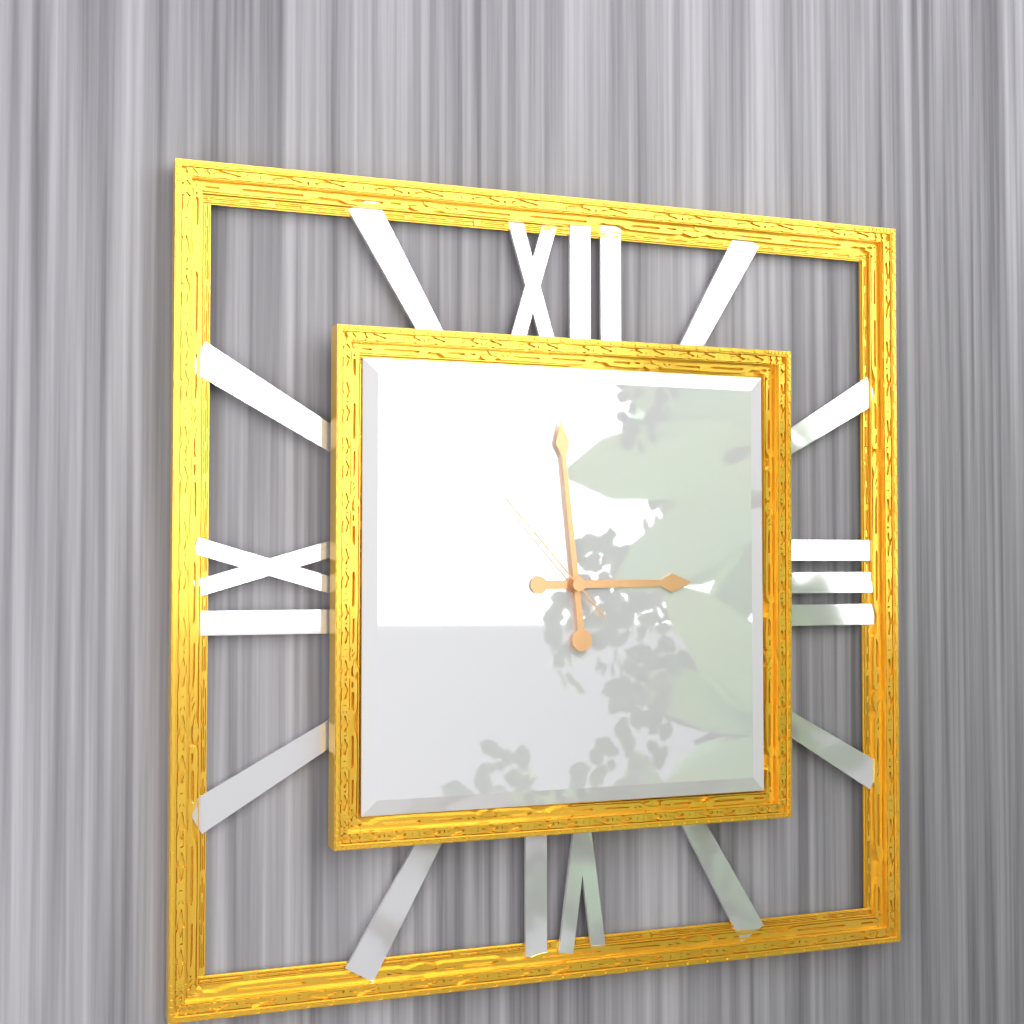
2:59:53
